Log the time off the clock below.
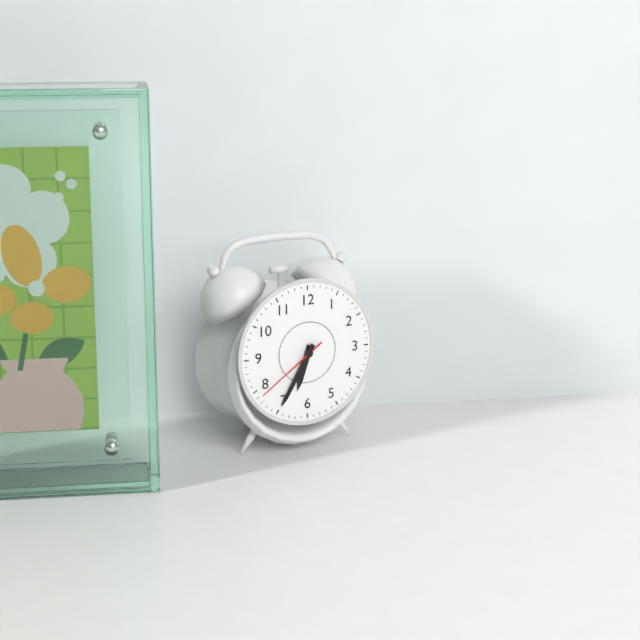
6:35:39
